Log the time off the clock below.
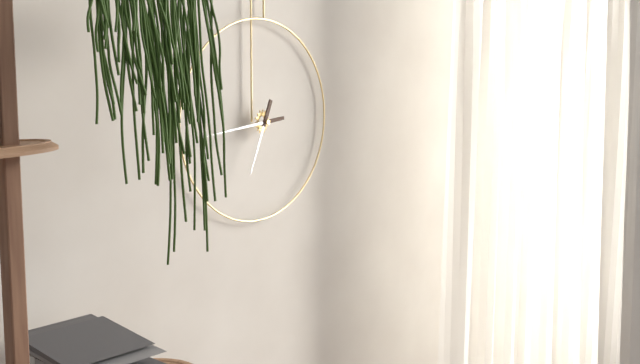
6:44
